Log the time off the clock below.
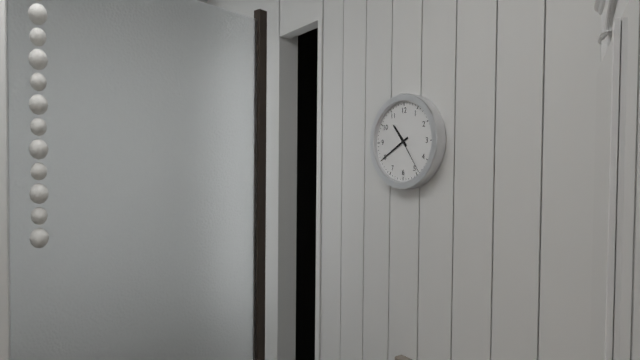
10:40
